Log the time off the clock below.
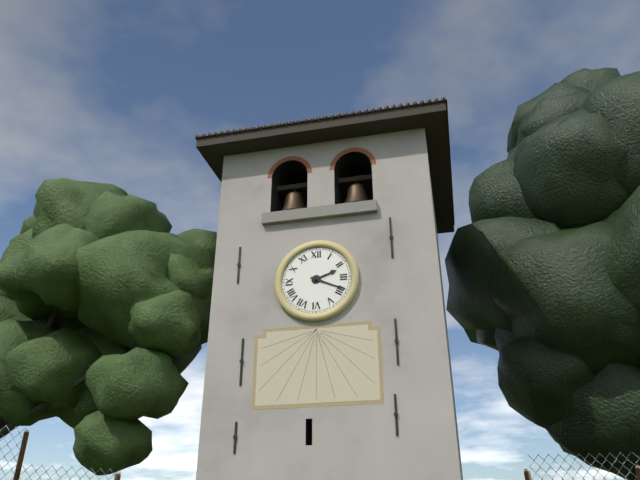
2:19
